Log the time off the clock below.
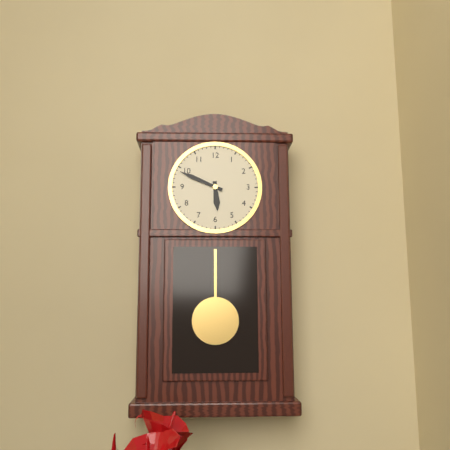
5:49
